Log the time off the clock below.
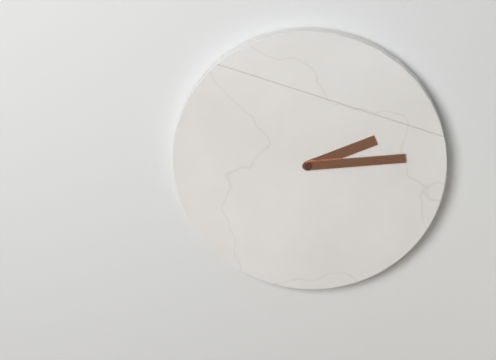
2:14
